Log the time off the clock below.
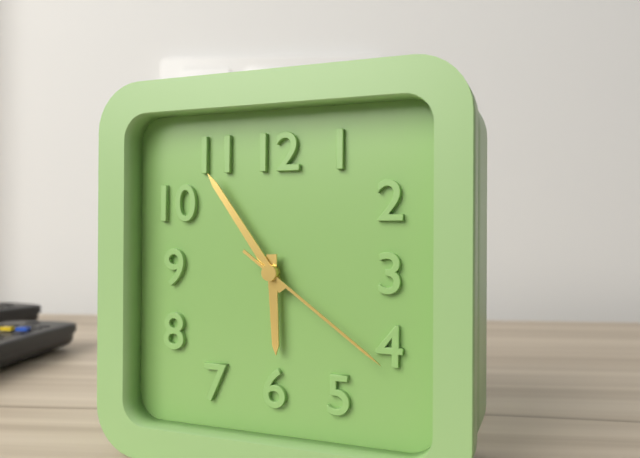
5:54:21
